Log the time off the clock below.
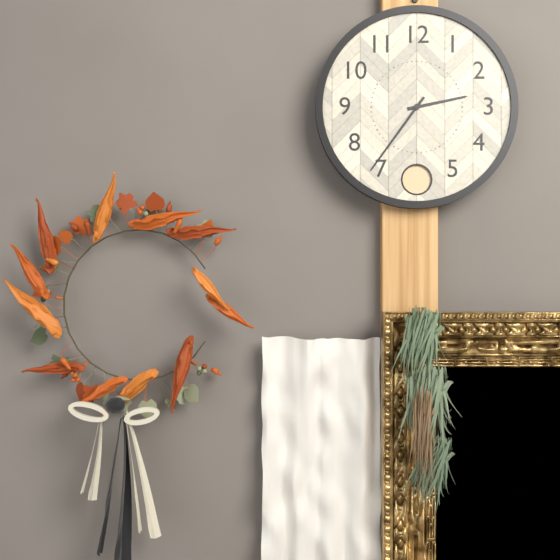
2:36
